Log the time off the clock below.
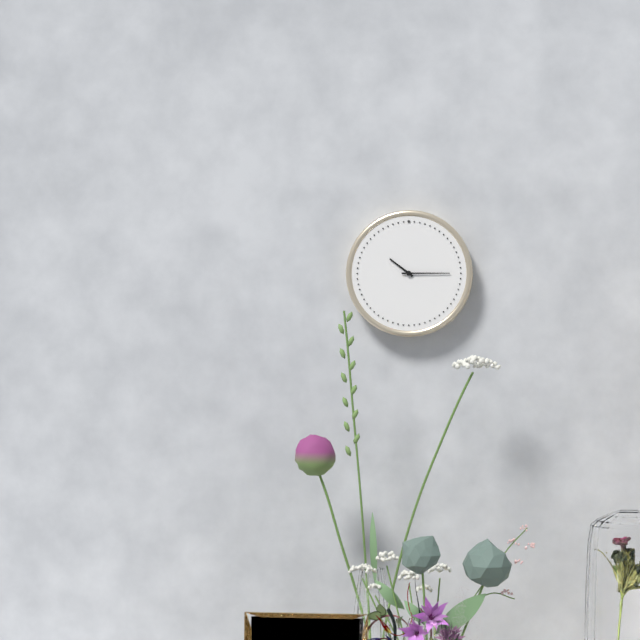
10:15
